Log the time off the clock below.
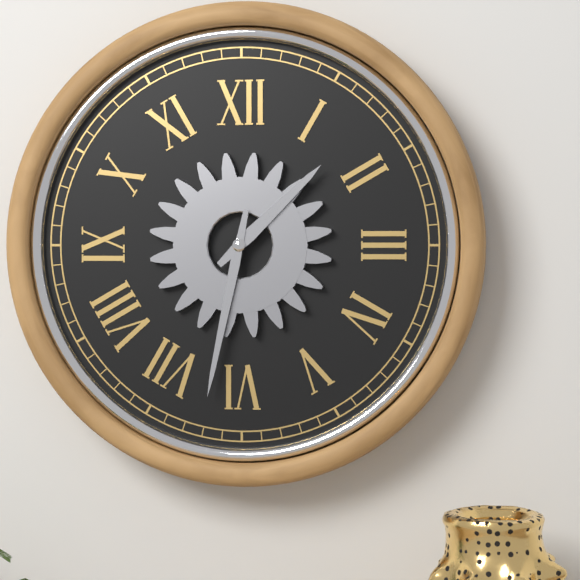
1:32
